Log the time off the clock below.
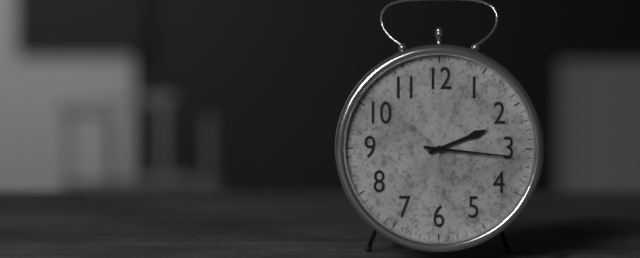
2:16
